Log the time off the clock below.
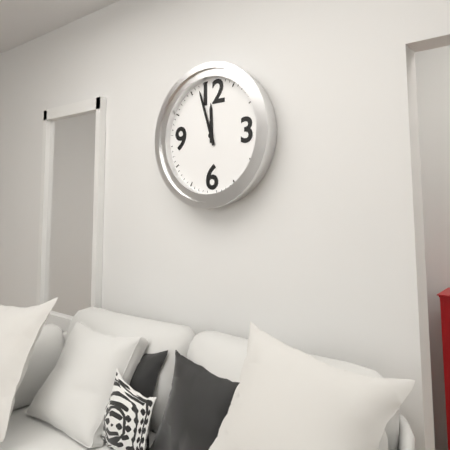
11:57
